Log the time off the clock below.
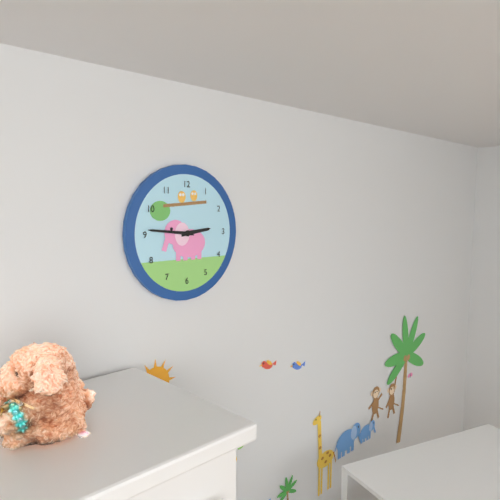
2:46
